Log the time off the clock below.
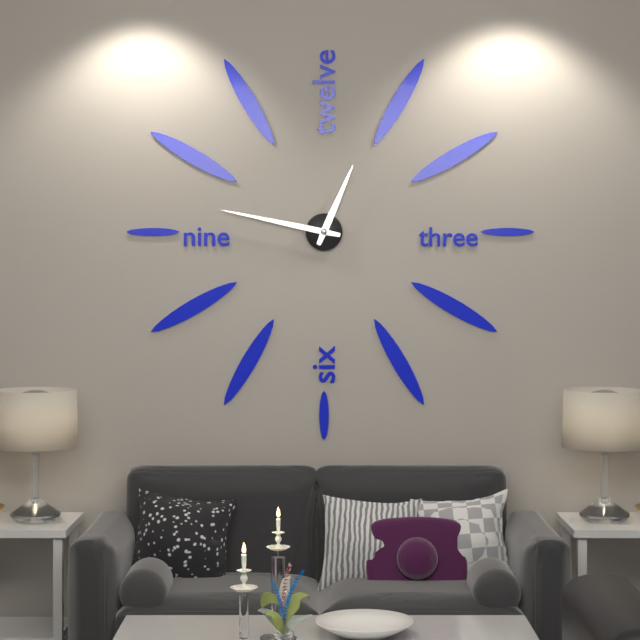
12:47
